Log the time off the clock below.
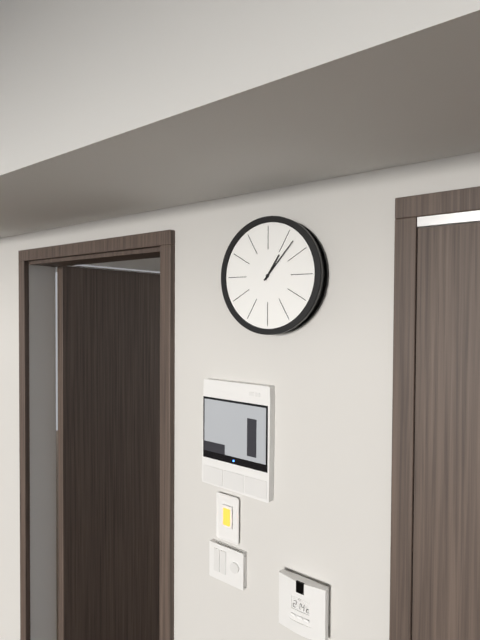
1:07
